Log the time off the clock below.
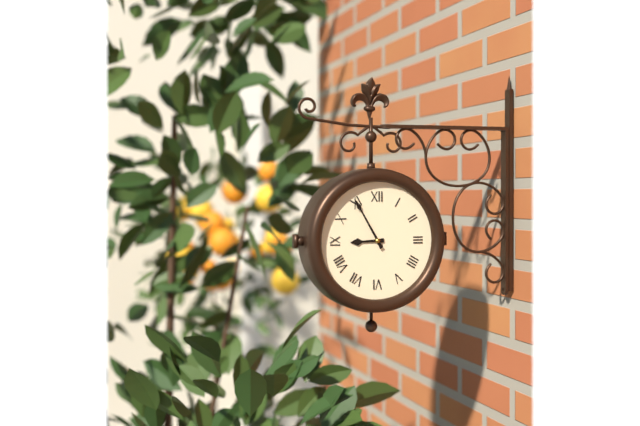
8:55
